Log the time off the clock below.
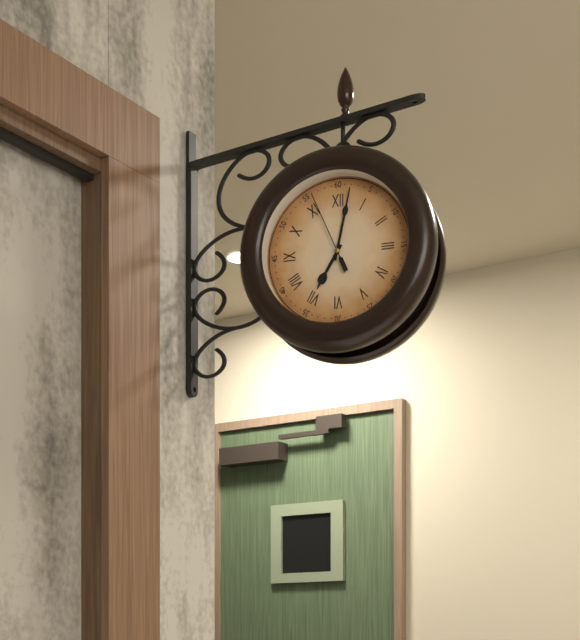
7:02:56
